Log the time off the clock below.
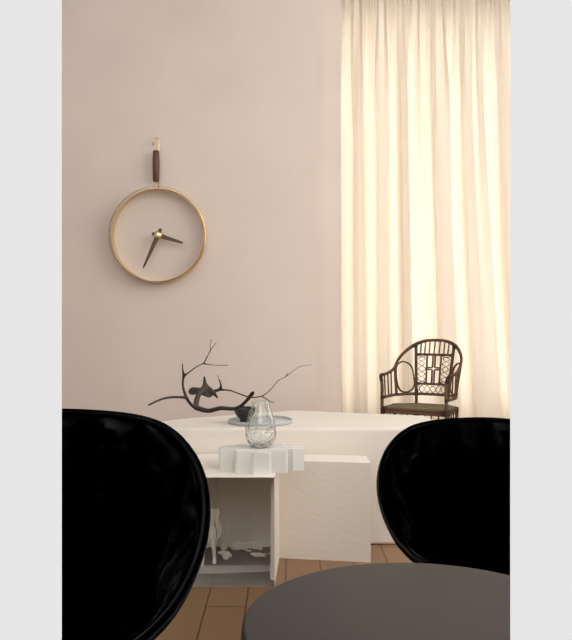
3:34
